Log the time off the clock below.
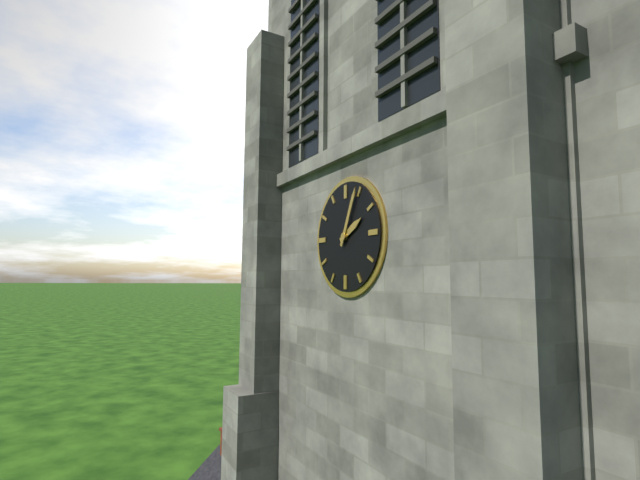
2:04
